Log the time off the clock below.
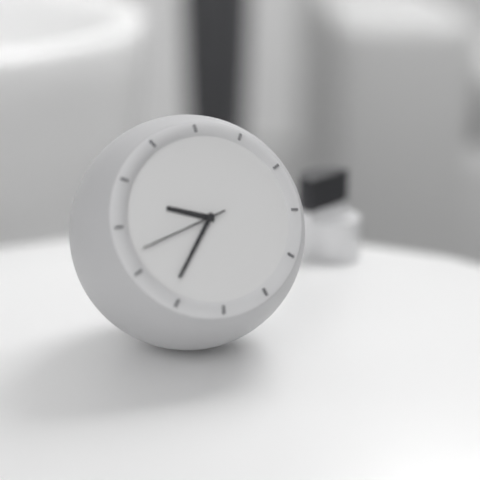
9:36:42
